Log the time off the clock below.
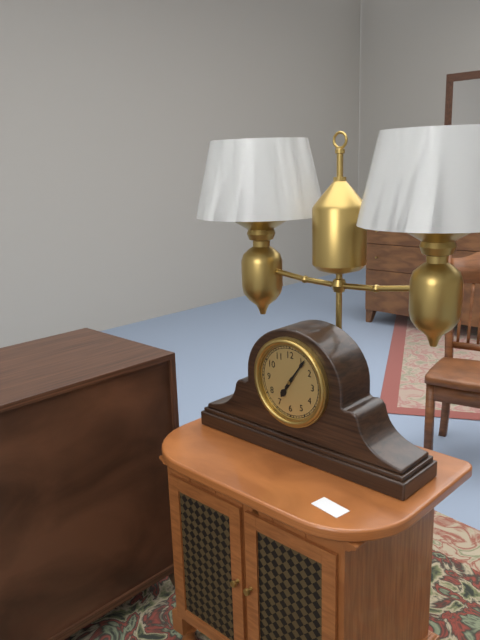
7:06
